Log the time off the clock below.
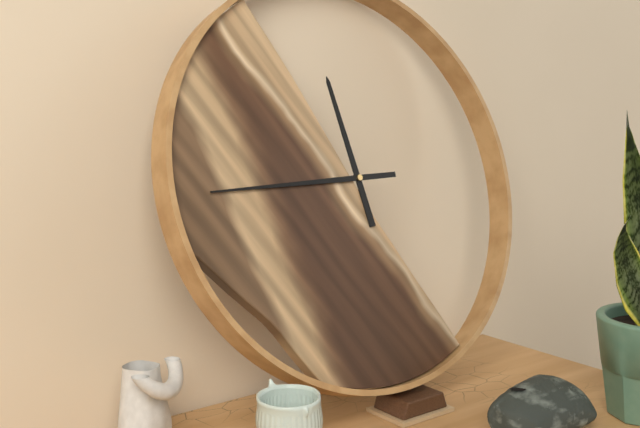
11:45
